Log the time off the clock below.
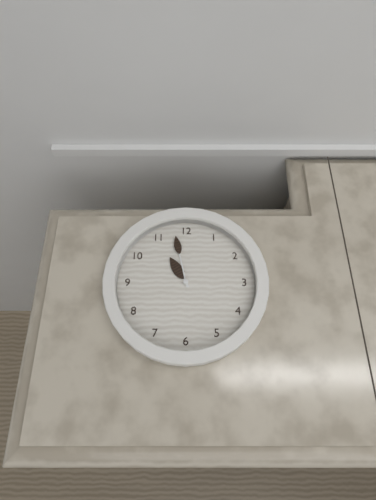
10:58
